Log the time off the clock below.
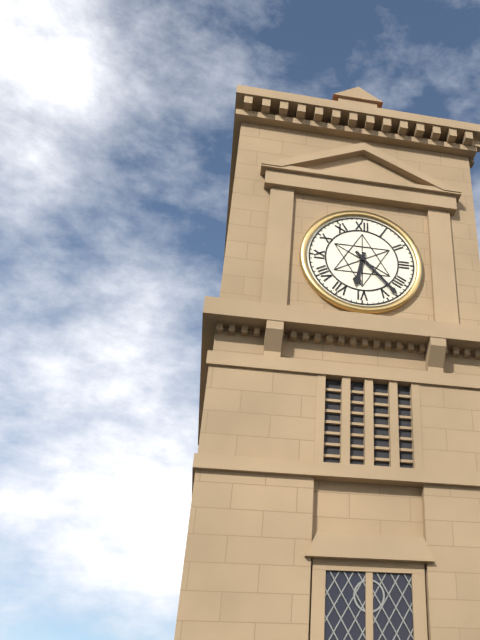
6:23
